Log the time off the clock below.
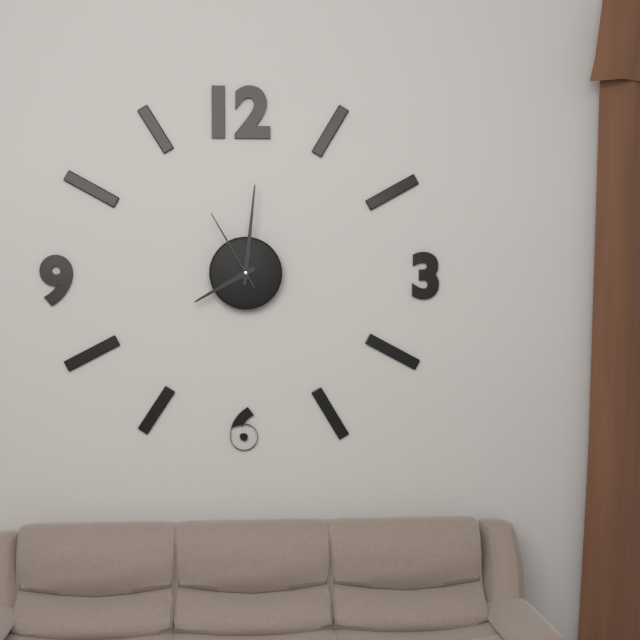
8:01:55
